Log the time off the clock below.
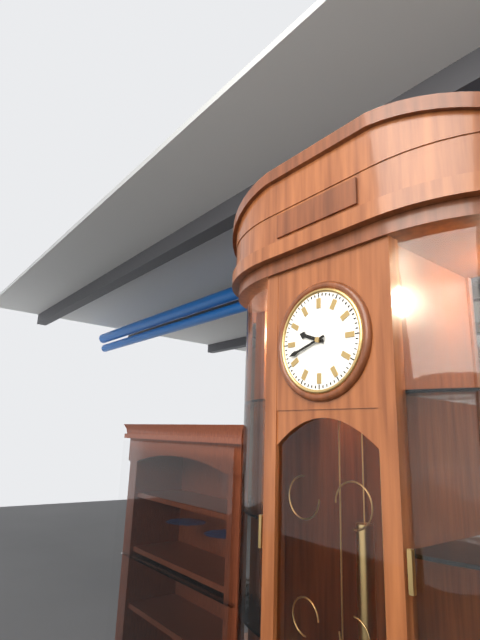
9:42
